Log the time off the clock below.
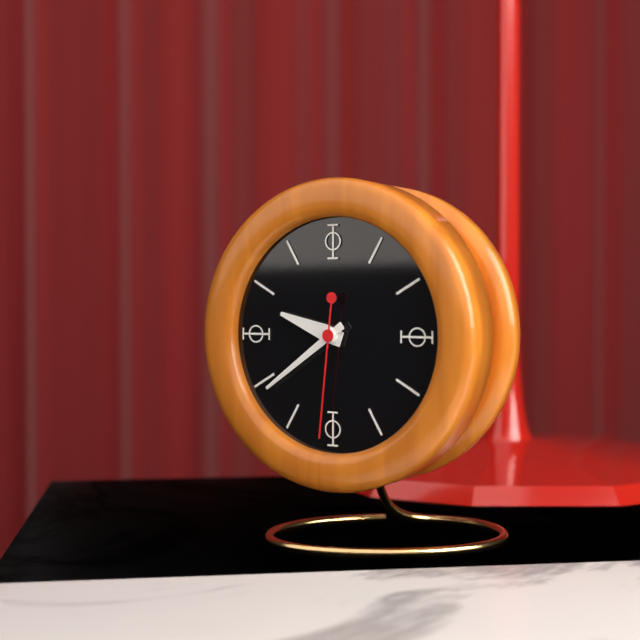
9:39:31
